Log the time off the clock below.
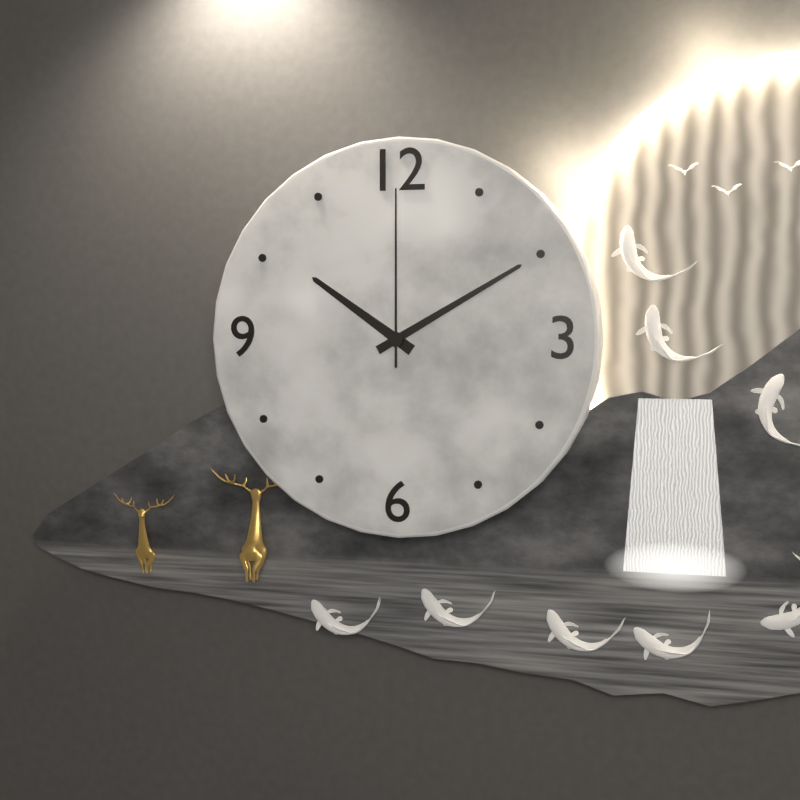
10:10:00
